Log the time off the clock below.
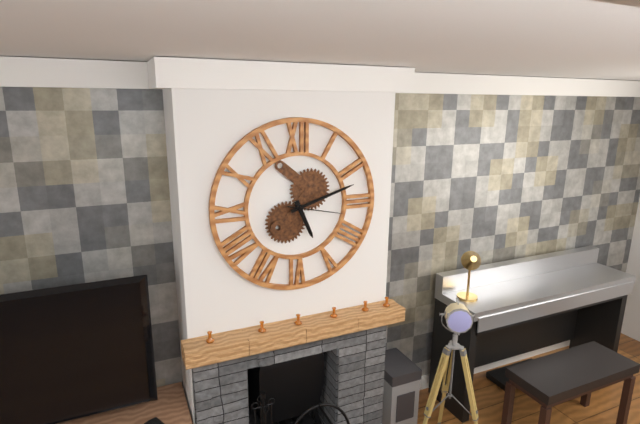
5:12:17
